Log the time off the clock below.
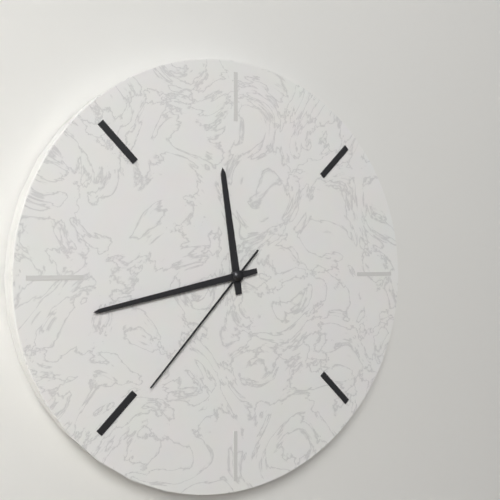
11:43:37
